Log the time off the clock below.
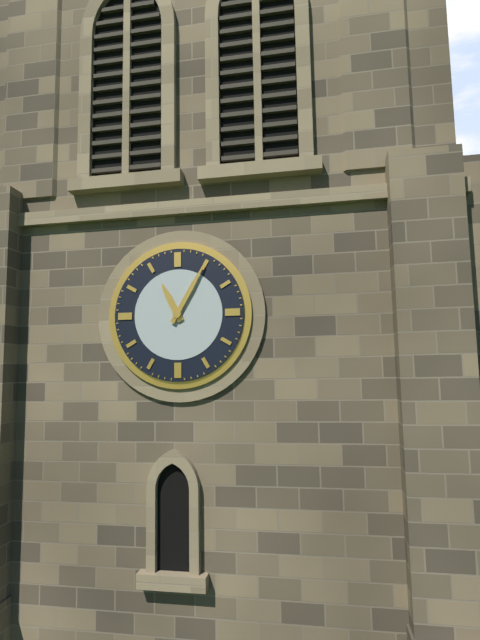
11:05
